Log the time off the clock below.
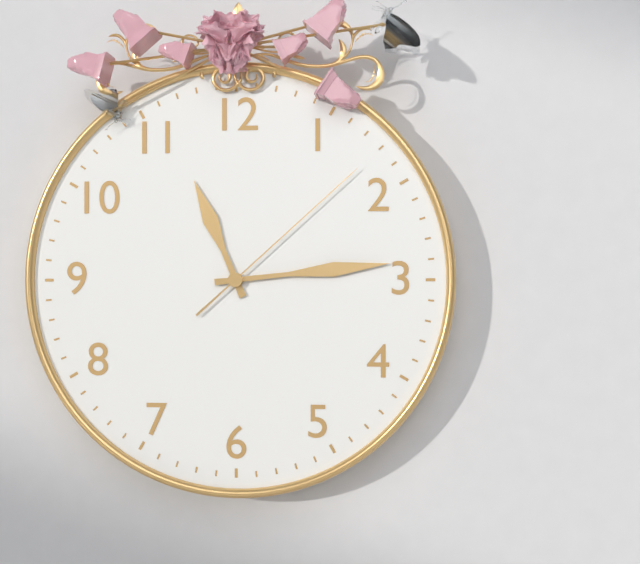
11:14:08
